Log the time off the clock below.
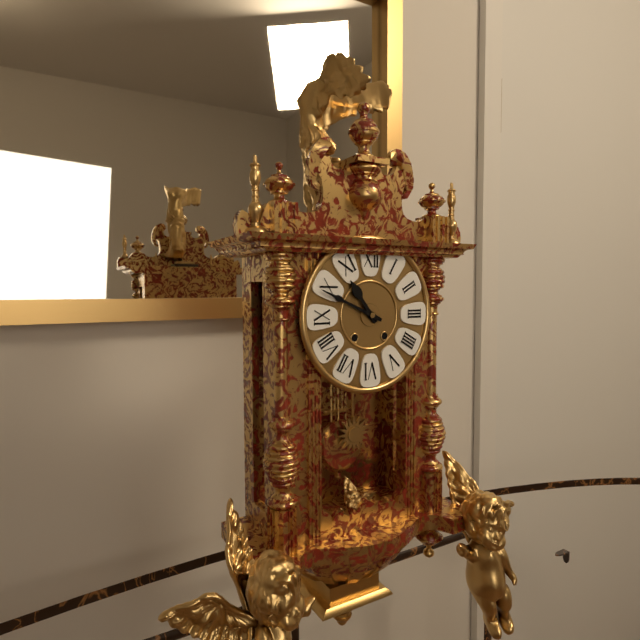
10:49
